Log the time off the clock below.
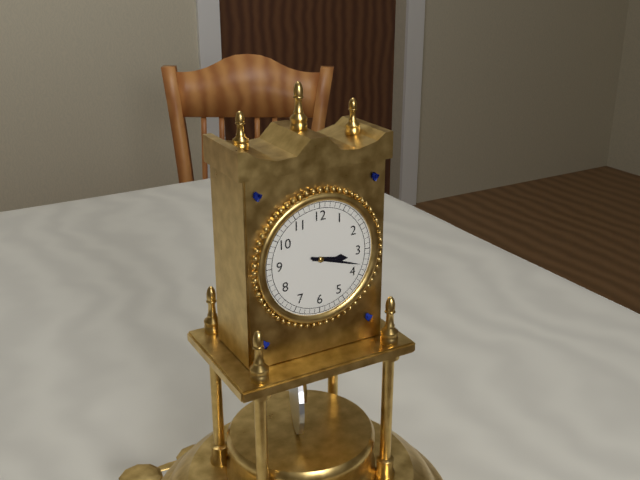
3:18
